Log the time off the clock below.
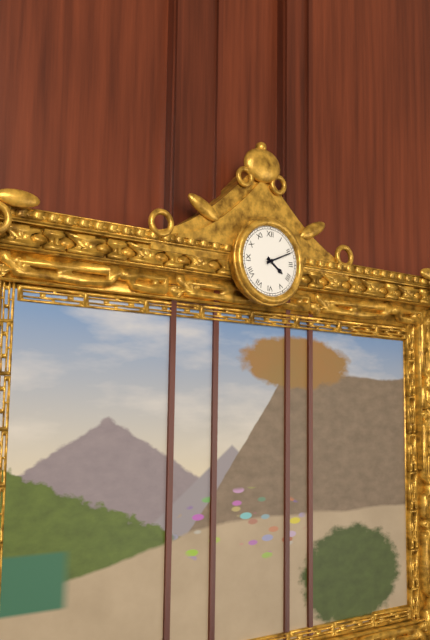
4:11
